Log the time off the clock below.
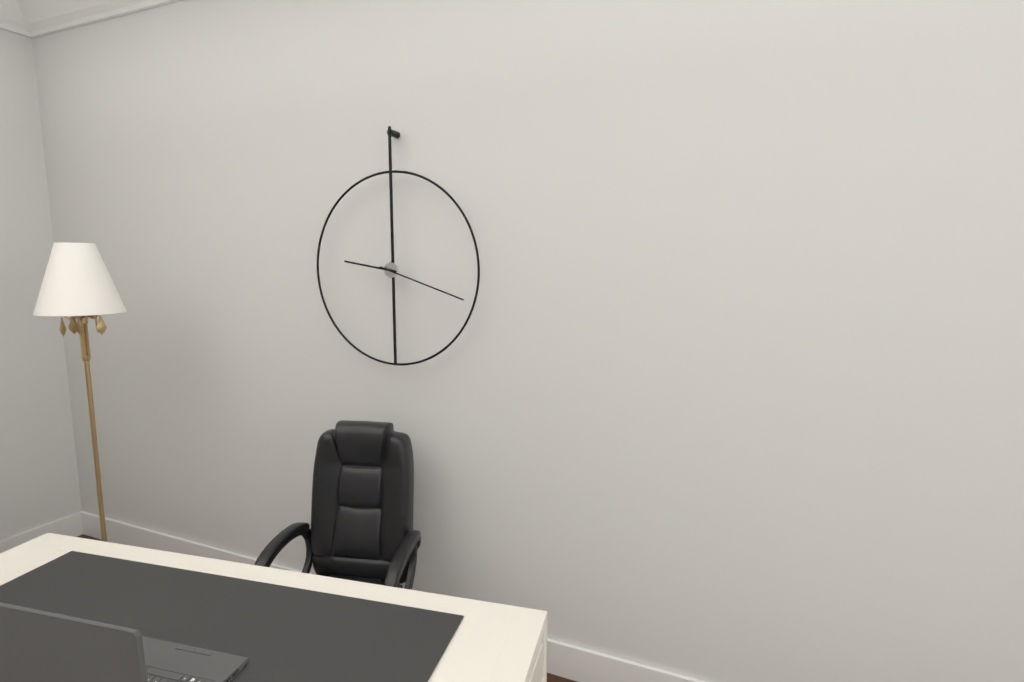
9:18
